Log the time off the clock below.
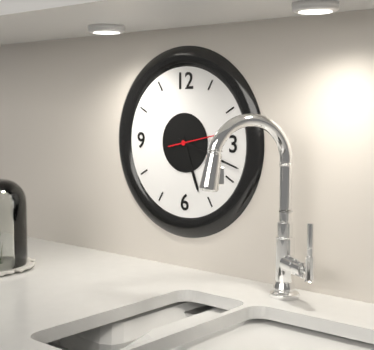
5:18:13
